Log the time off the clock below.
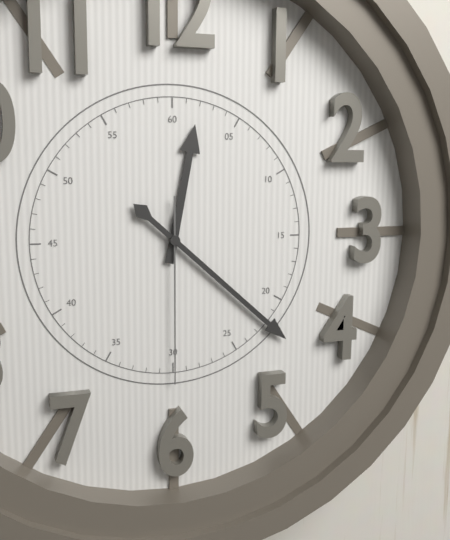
12:22:30
